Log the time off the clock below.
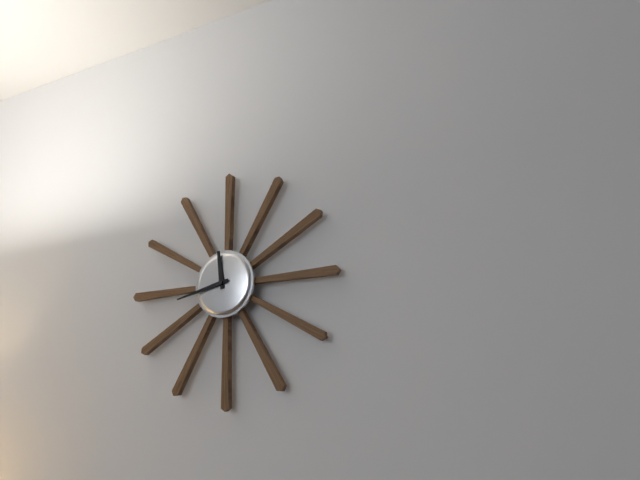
11:43
